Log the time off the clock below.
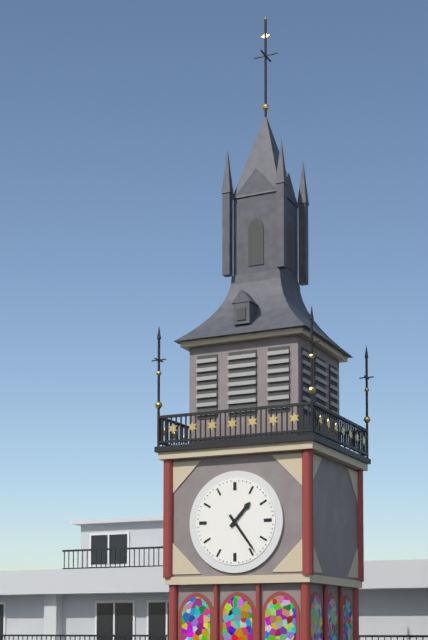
1:24
